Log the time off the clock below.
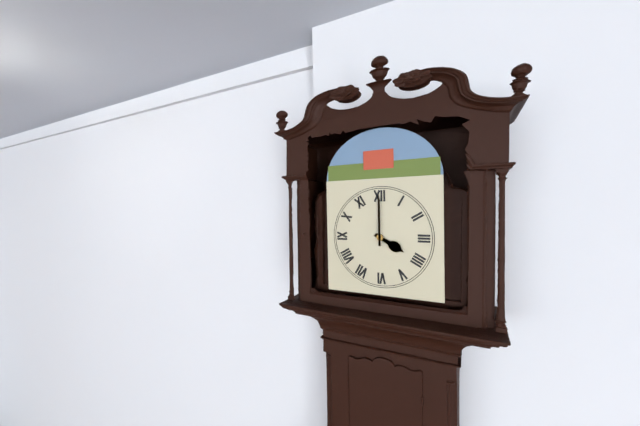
4:00
